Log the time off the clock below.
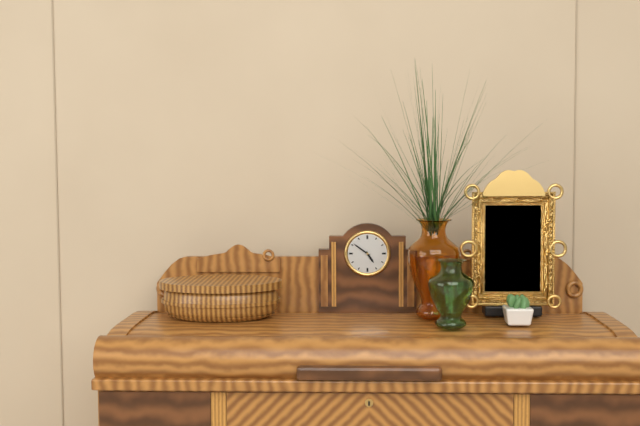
4:51
